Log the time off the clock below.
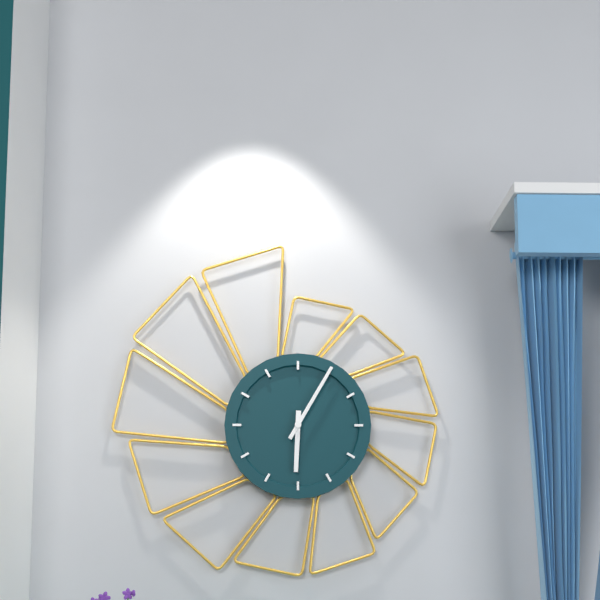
6:05
